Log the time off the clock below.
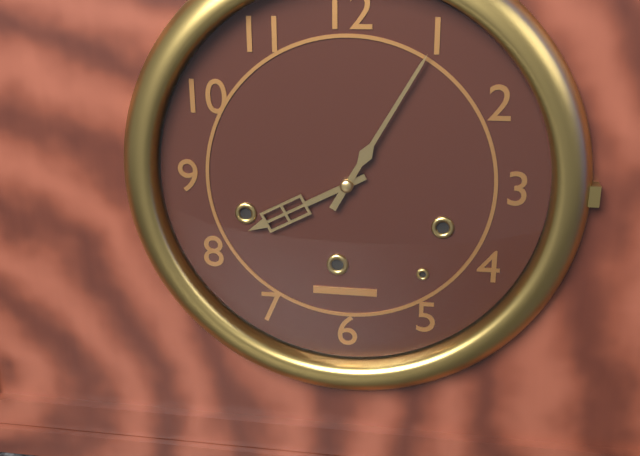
8:05
